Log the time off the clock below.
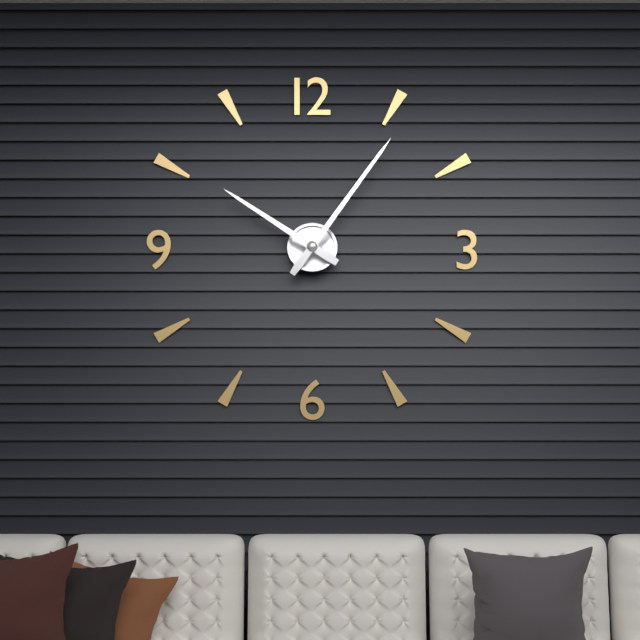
10:06
